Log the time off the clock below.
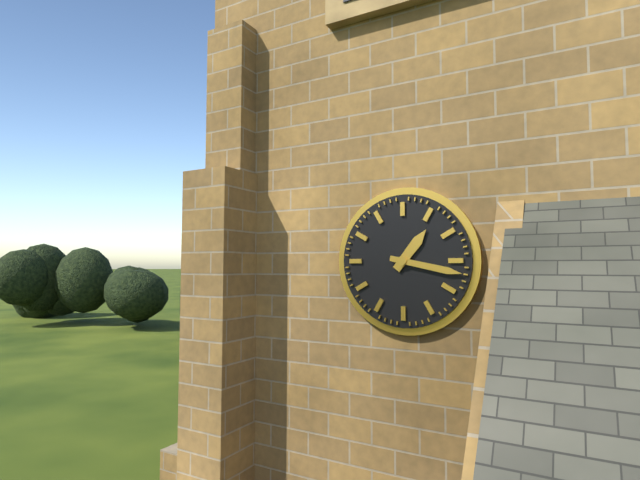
1:17
